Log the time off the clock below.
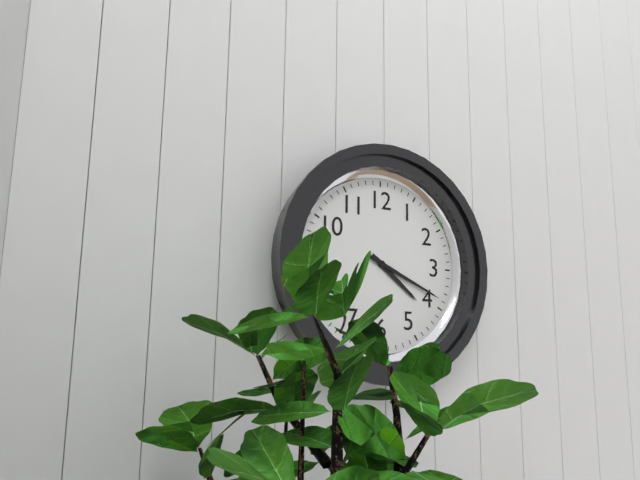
4:19
